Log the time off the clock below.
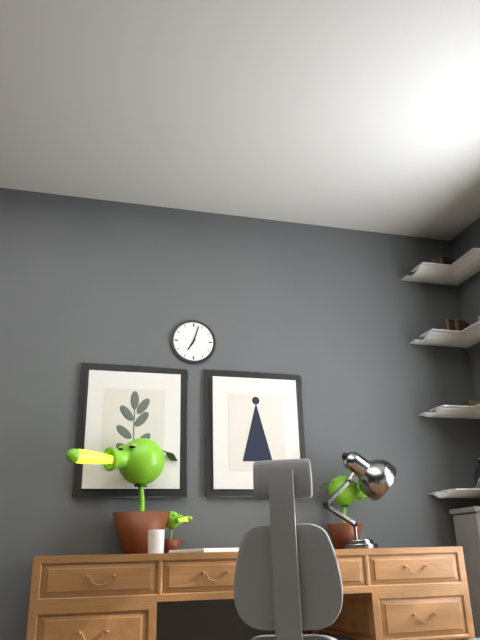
7:03
